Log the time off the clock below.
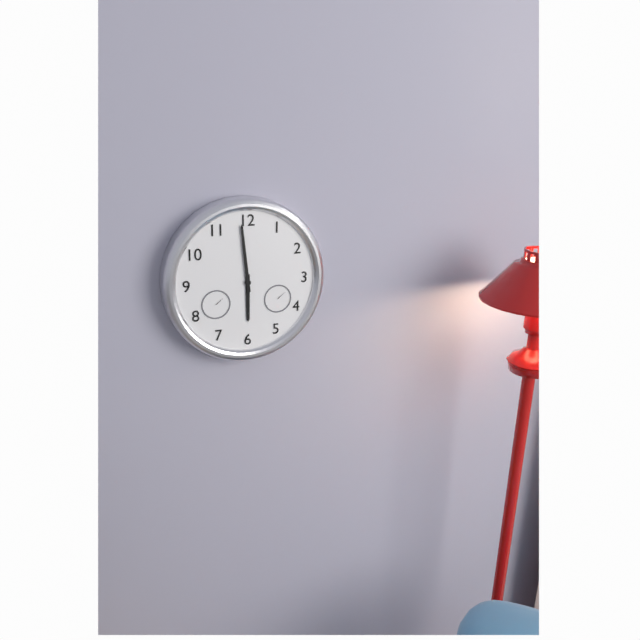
5:59
